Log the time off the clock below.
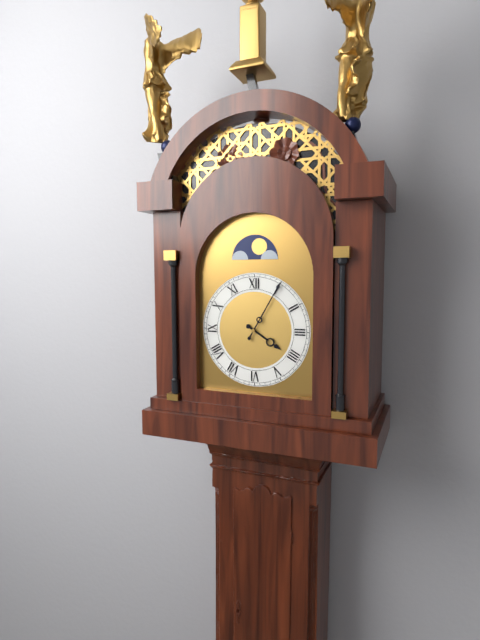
4:05
